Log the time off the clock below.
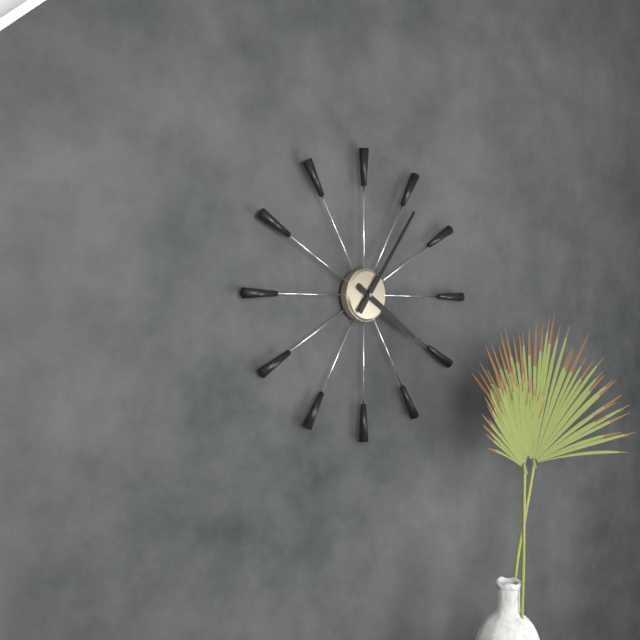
4:06
